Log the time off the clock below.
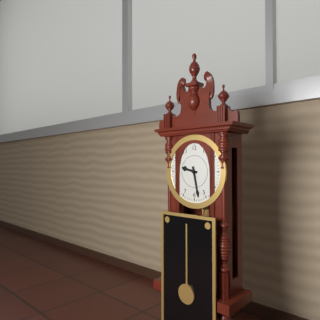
9:28
